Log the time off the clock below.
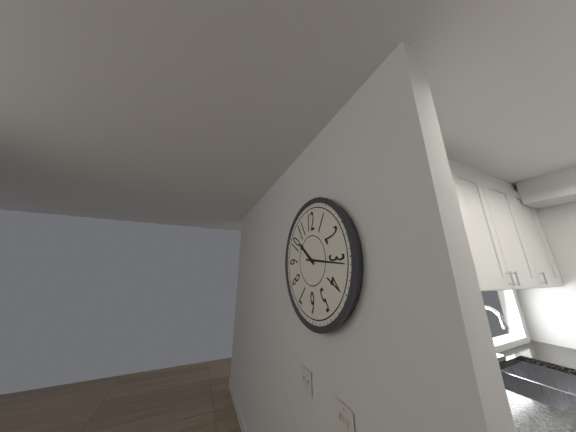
10:16
